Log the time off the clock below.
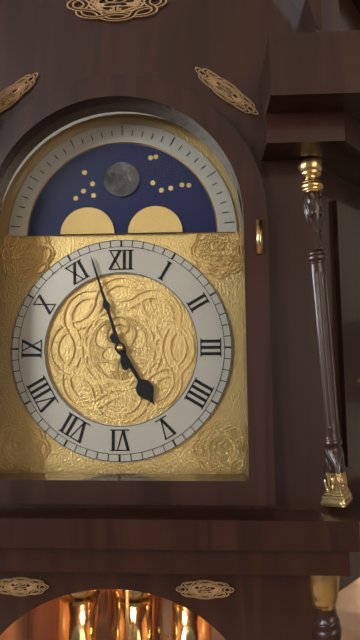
4:57
